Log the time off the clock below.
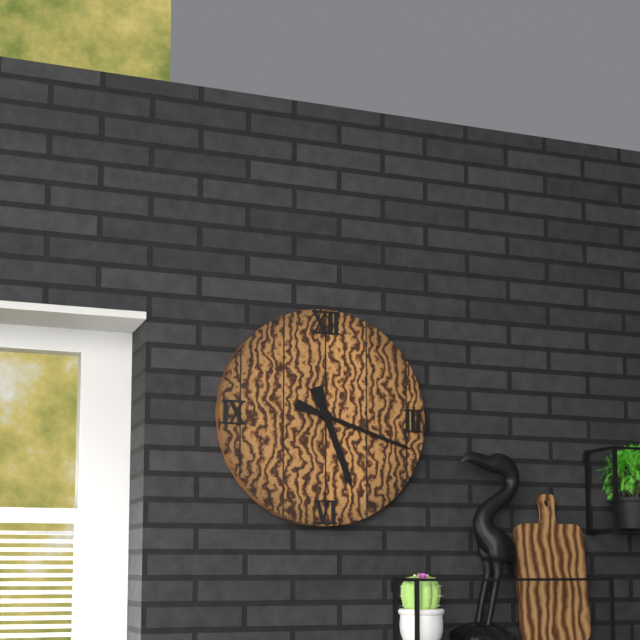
5:18
